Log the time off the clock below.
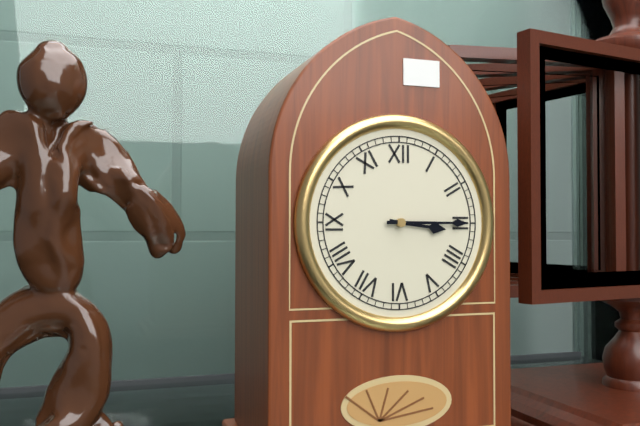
3:15
